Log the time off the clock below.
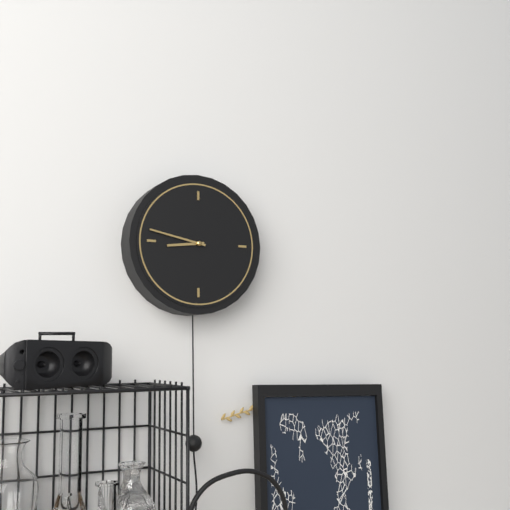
8:47
